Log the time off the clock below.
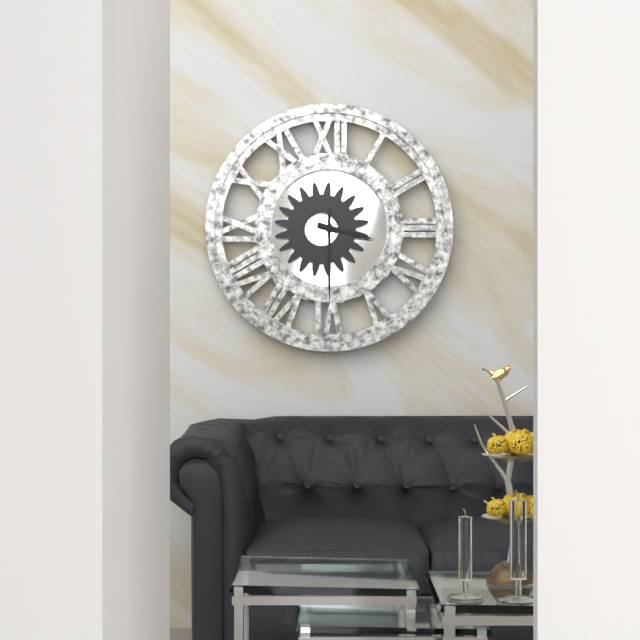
3:30
